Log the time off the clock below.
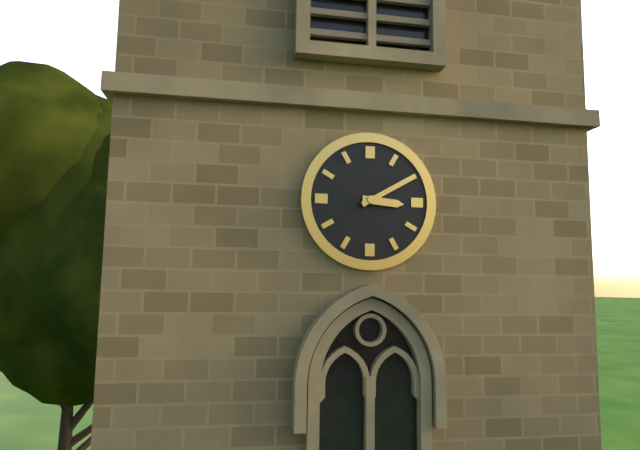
3:10
